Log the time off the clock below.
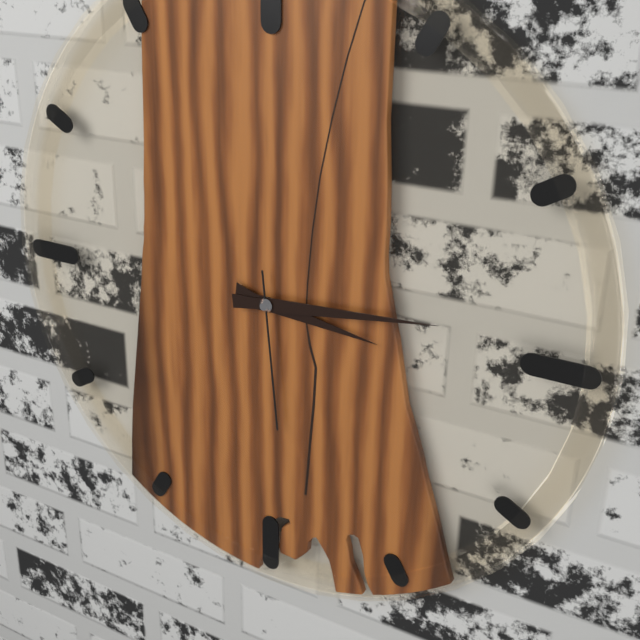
3:14:29
